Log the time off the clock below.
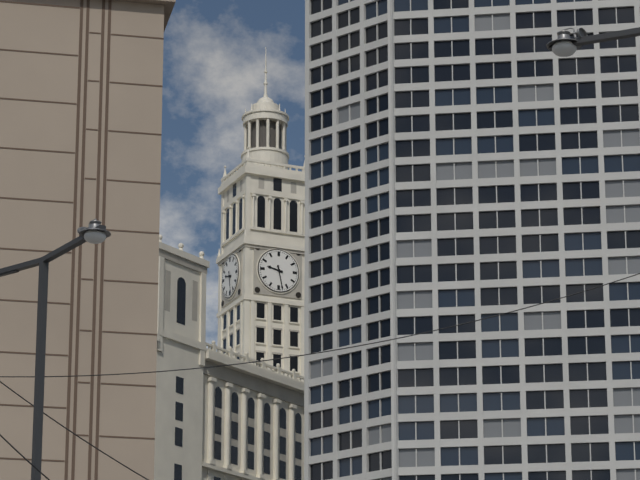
9:28
